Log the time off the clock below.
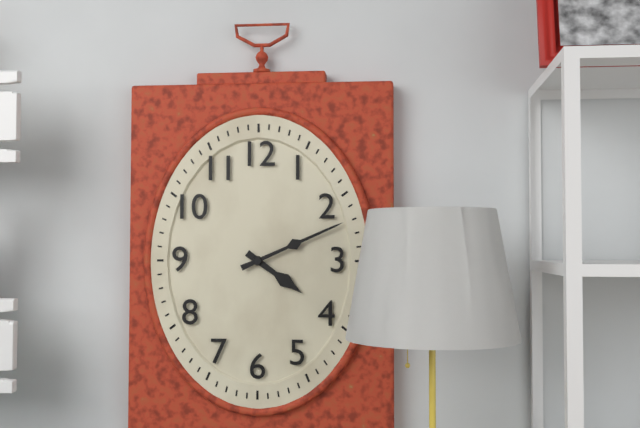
4:11
